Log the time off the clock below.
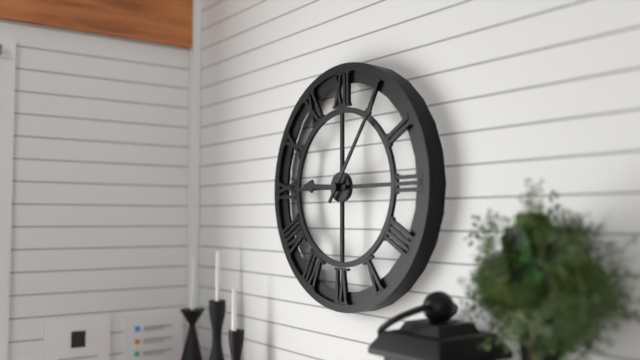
9:06
